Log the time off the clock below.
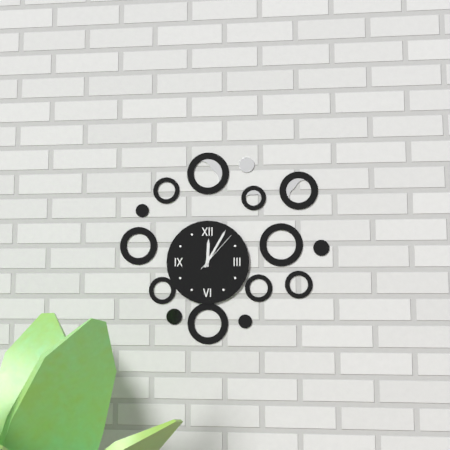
12:05
